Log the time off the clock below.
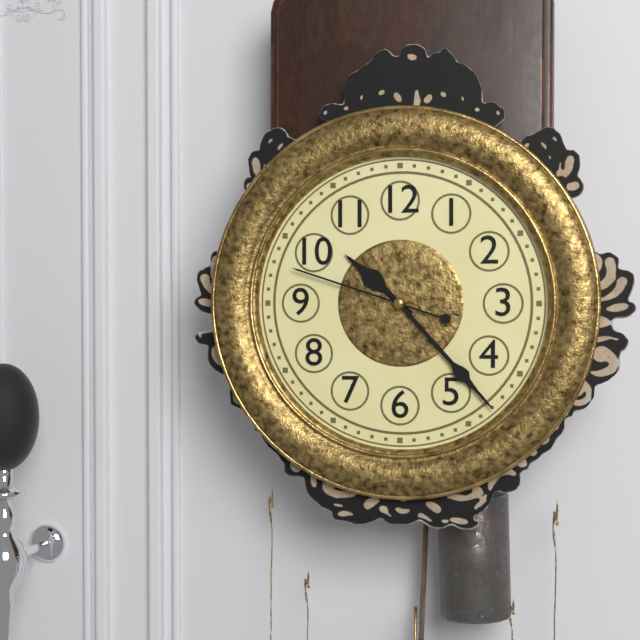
10:23:48
